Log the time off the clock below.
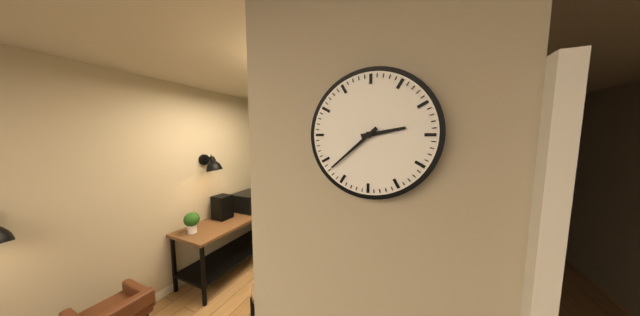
2:38
